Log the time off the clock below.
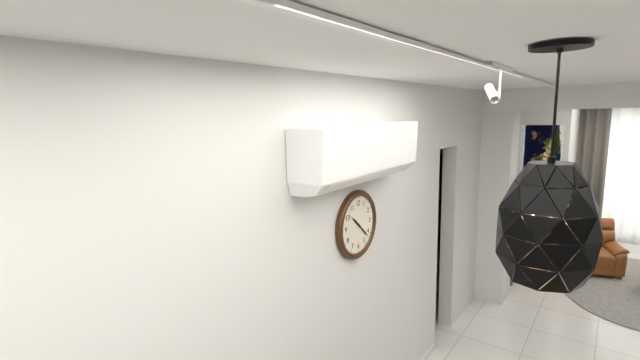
10:22
